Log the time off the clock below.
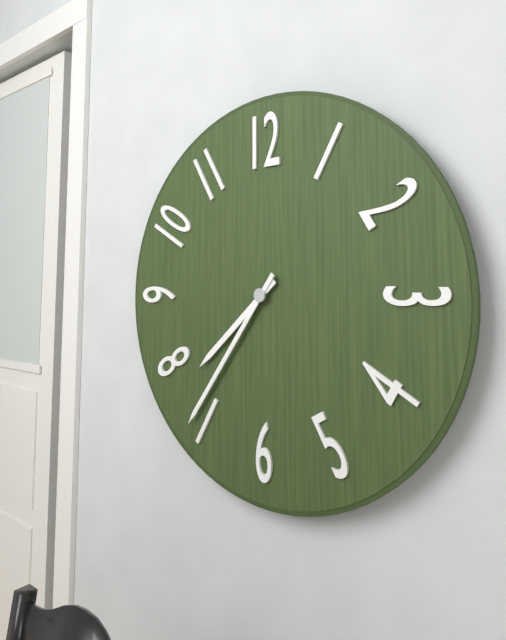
7:36
